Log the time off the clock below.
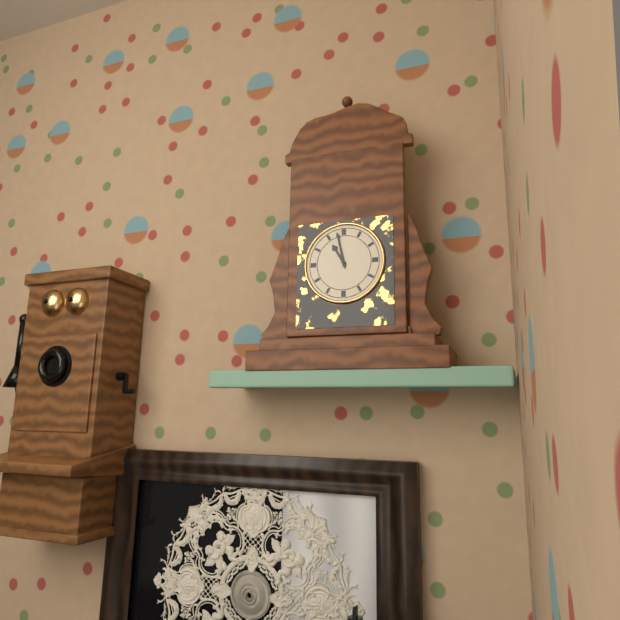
10:58
